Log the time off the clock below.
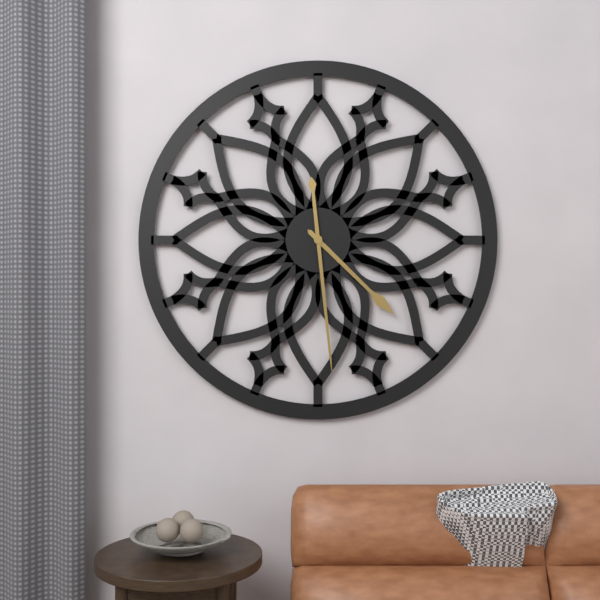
4:29
